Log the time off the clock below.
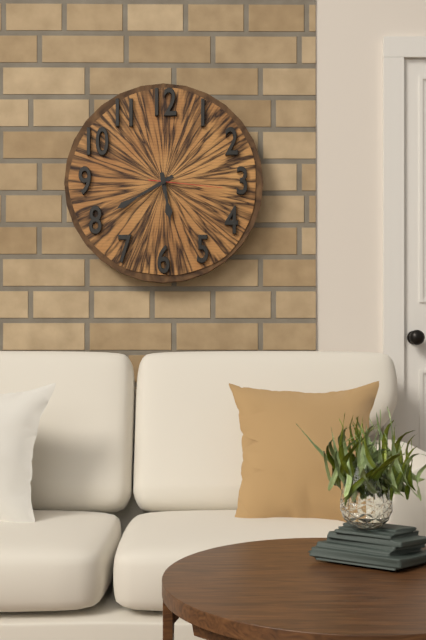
5:40:16
